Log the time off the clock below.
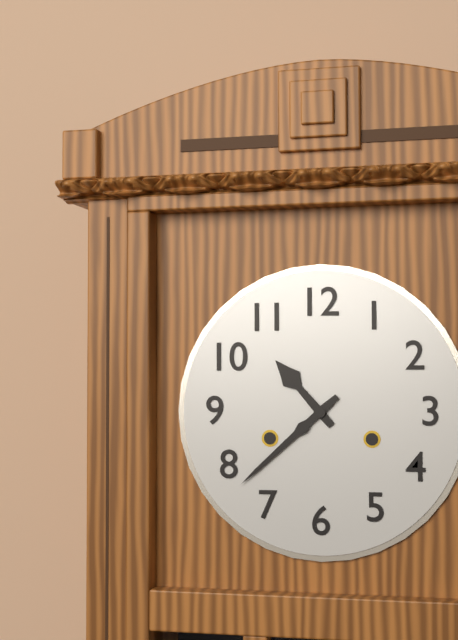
10:38
